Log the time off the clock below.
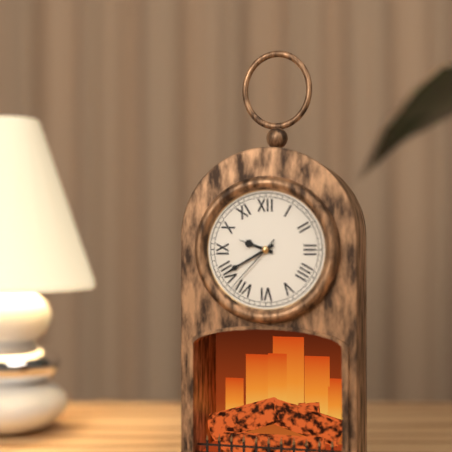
9:40:37
